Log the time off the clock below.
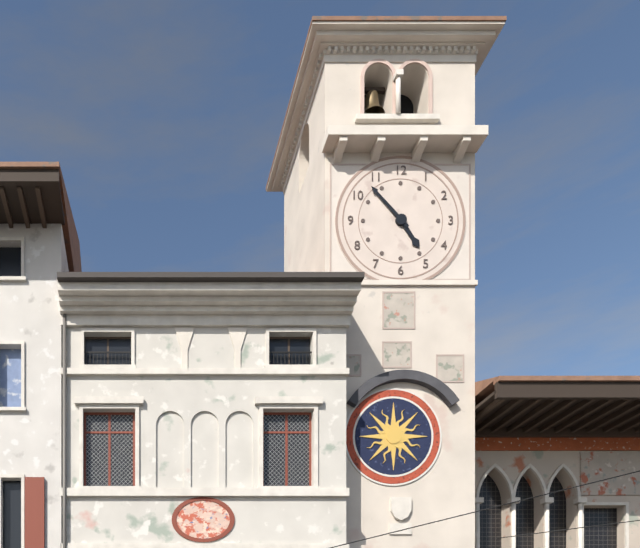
4:53
